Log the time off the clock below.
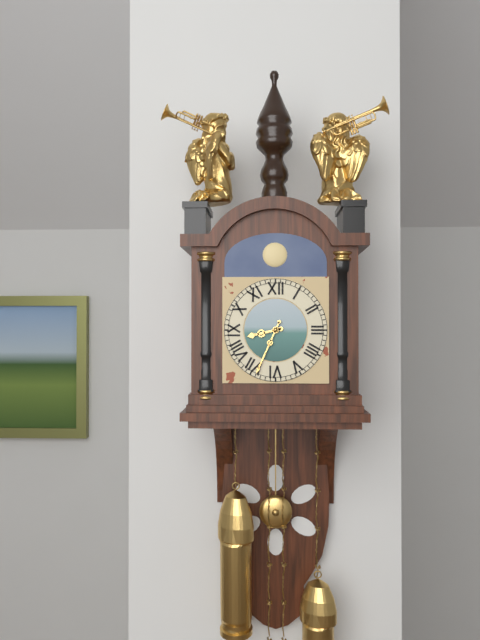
8:34
